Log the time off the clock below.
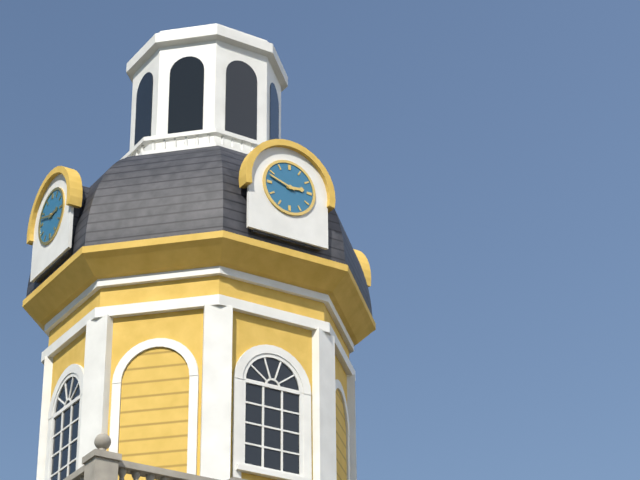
2:48
